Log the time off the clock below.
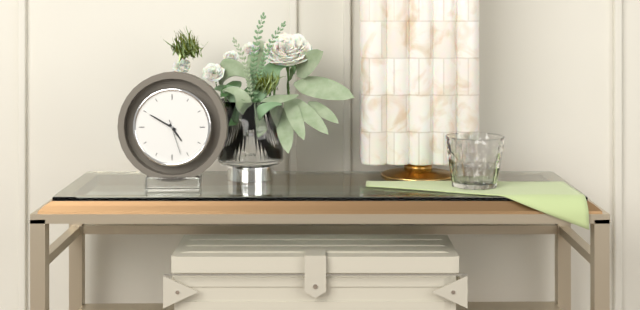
4:50
